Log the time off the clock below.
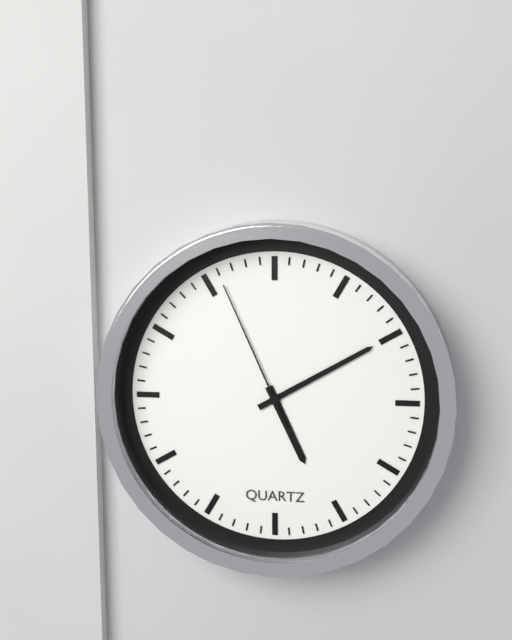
5:10:56
